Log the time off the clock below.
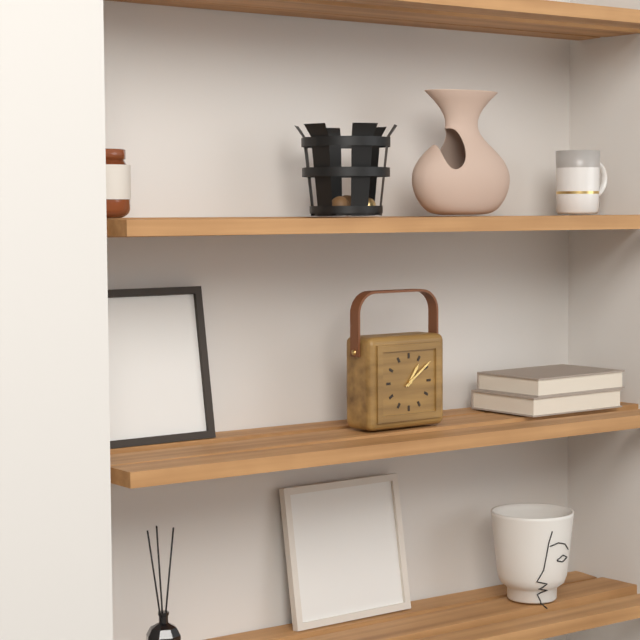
1:09
